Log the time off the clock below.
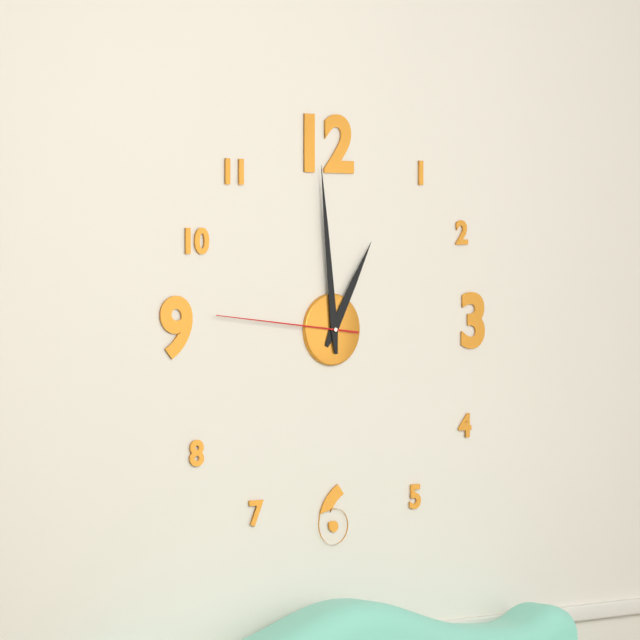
12:59:46
